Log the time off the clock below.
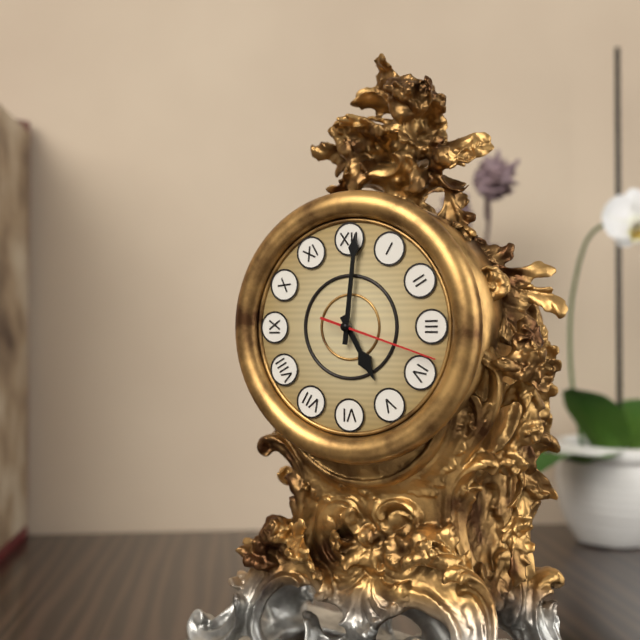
5:01:18
